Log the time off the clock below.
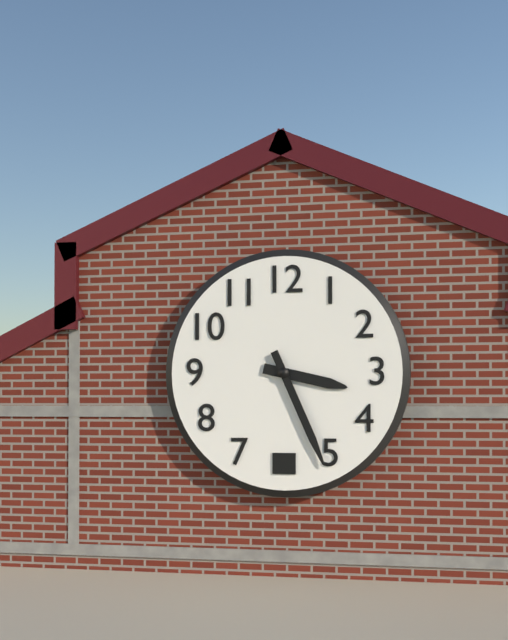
3:26
